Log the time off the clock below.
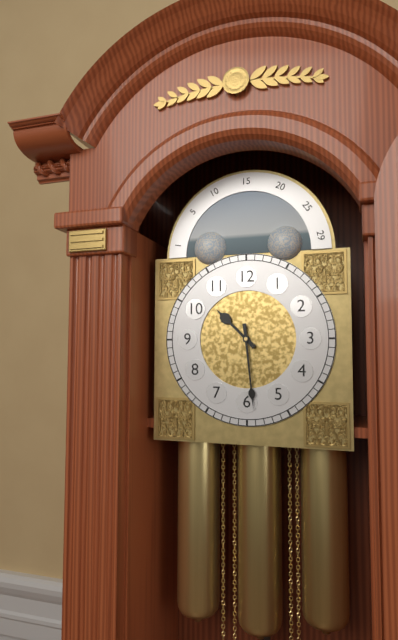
10:29
